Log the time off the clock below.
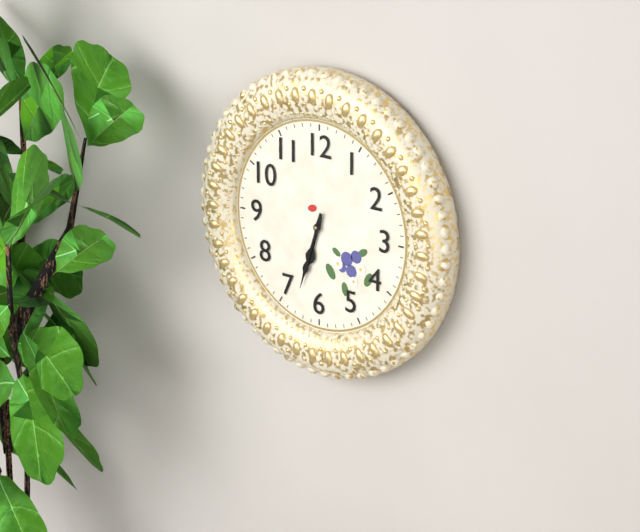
6:33
